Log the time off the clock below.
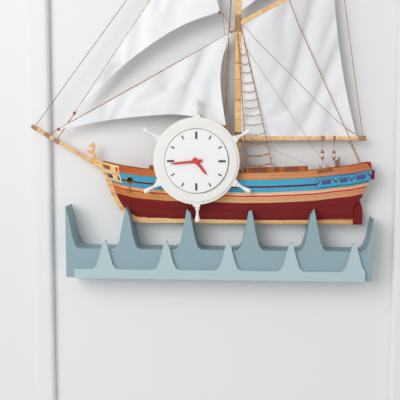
4:44
